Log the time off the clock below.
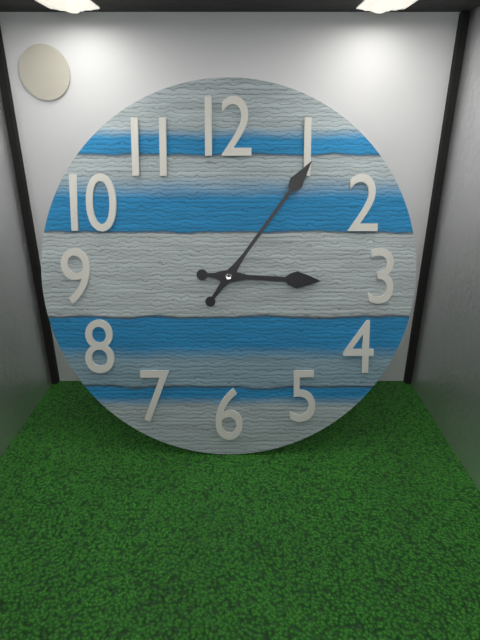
3:06
